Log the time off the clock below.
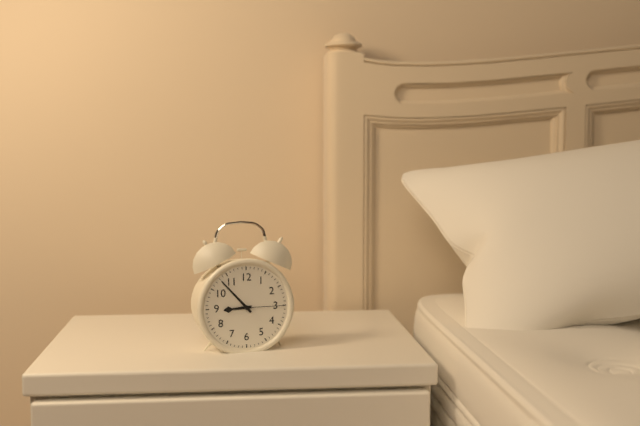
8:53
